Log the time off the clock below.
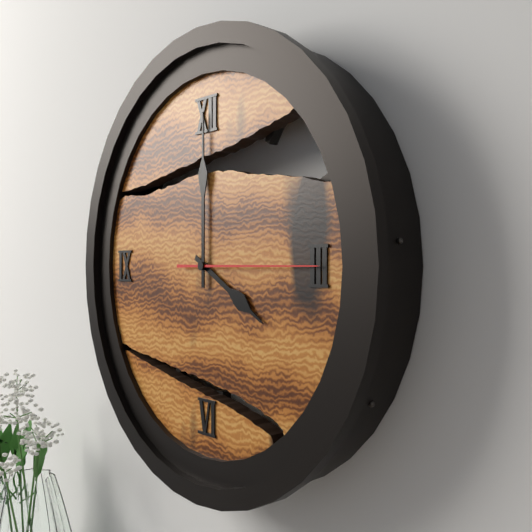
4:00:15
